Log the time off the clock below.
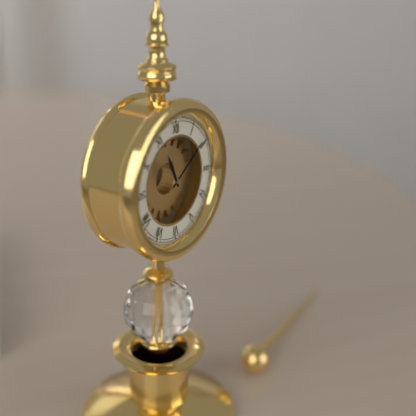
11:09
